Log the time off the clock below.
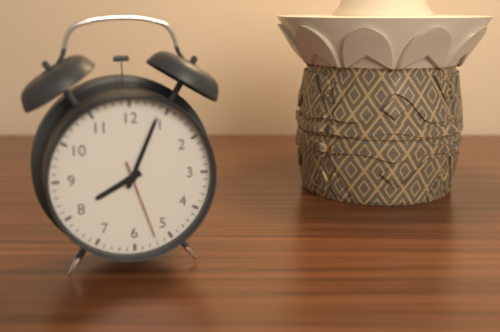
8:04:27
